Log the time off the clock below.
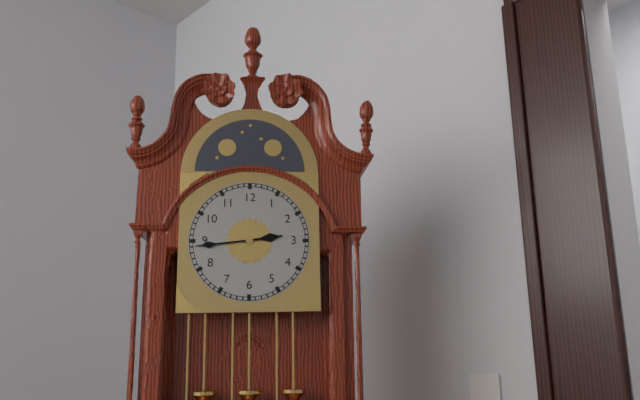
2:44
